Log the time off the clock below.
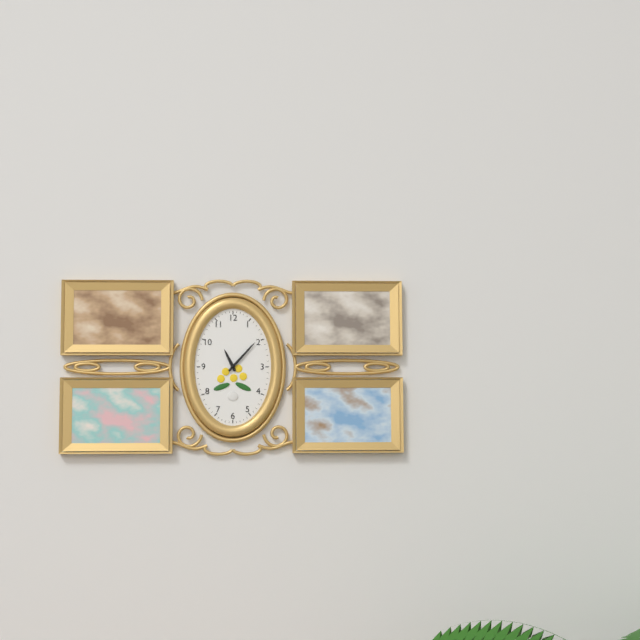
11:07
